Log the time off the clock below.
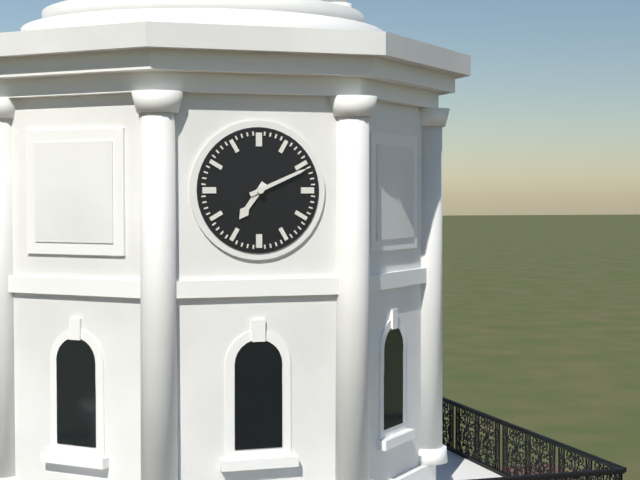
7:11
